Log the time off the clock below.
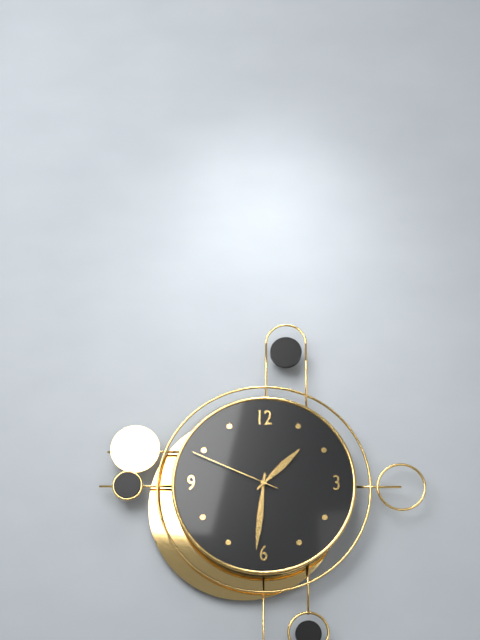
1:31:49
